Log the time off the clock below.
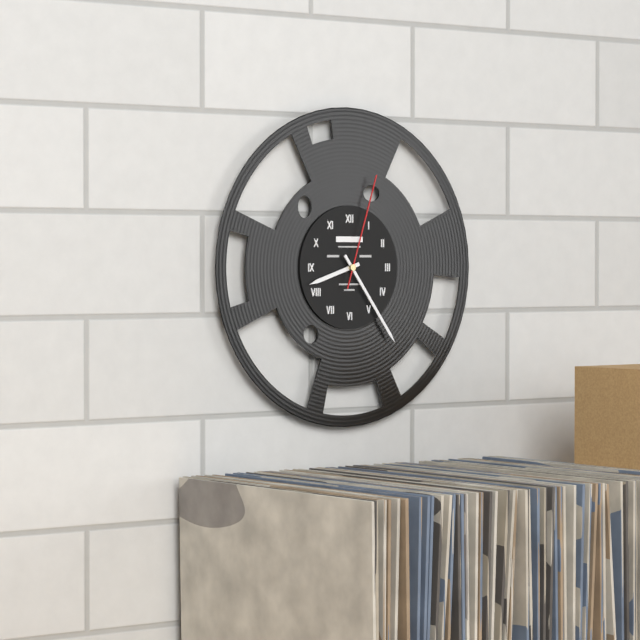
8:24:03
